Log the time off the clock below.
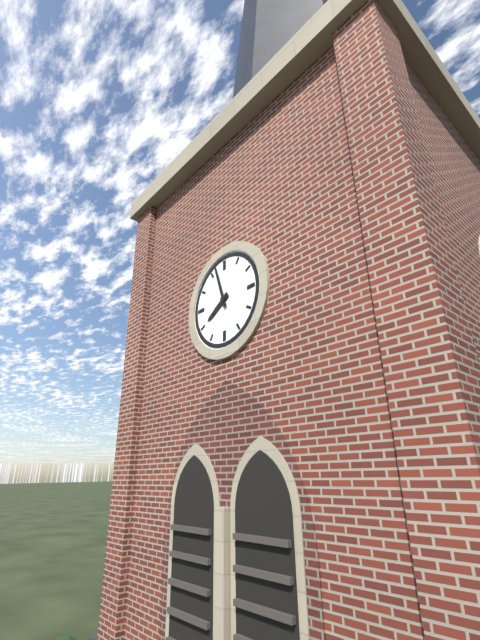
7:57
